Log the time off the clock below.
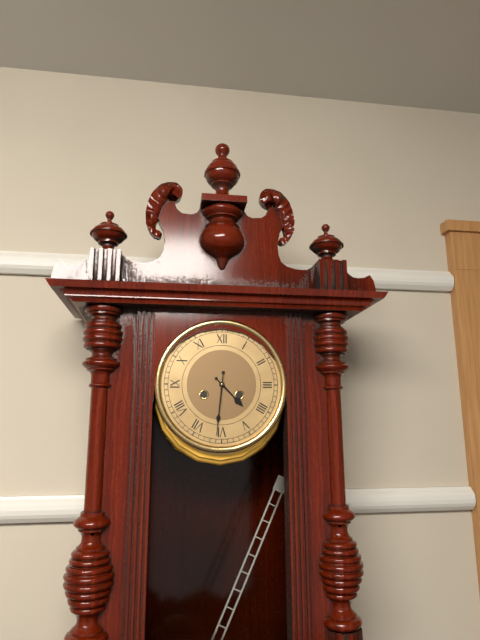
4:31
